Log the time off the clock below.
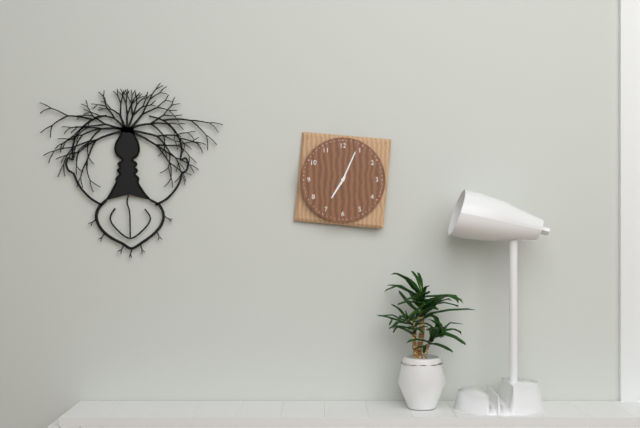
7:04
